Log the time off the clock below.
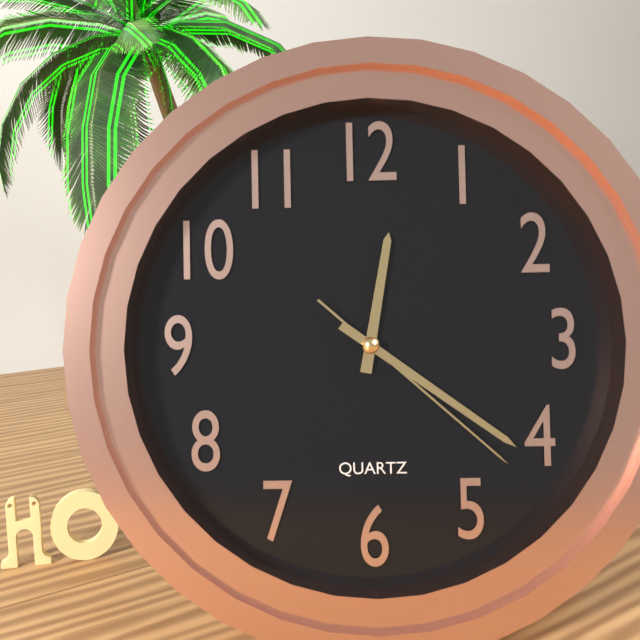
12:21:22
